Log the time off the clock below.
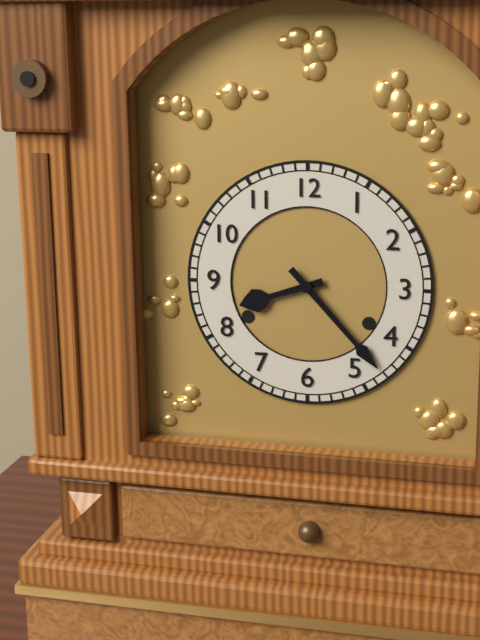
8:23
